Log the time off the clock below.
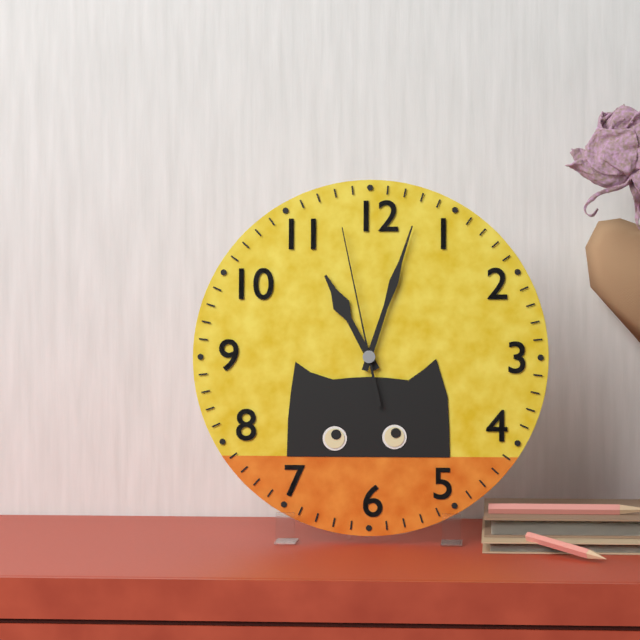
11:03:58
